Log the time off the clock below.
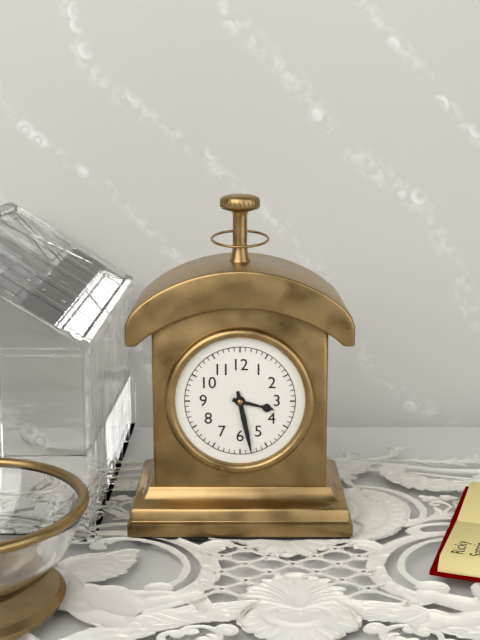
3:28
